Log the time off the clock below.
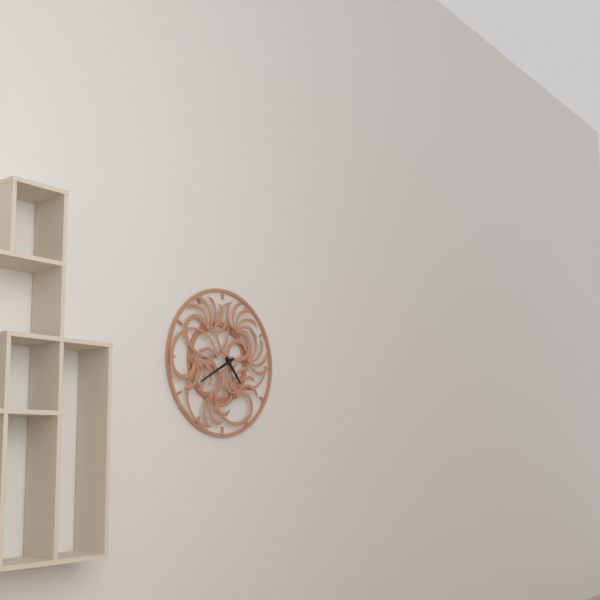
4:40
